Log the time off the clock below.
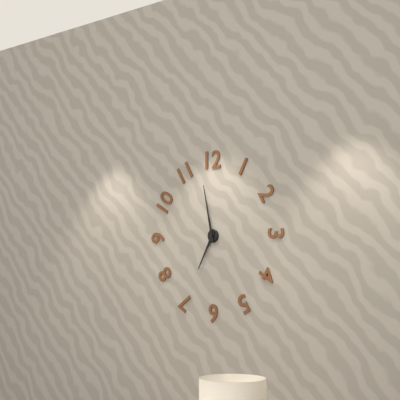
6:58
